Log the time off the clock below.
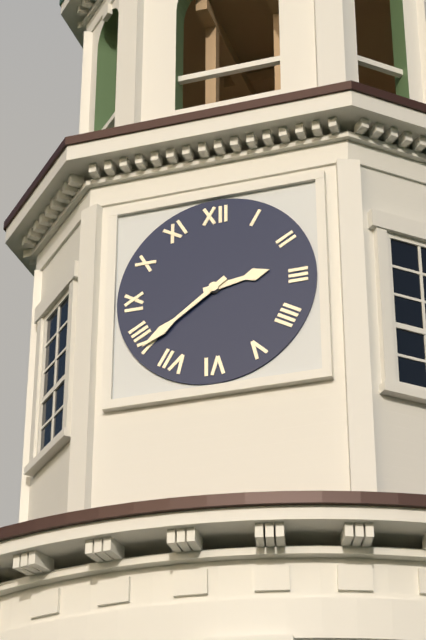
2:39
